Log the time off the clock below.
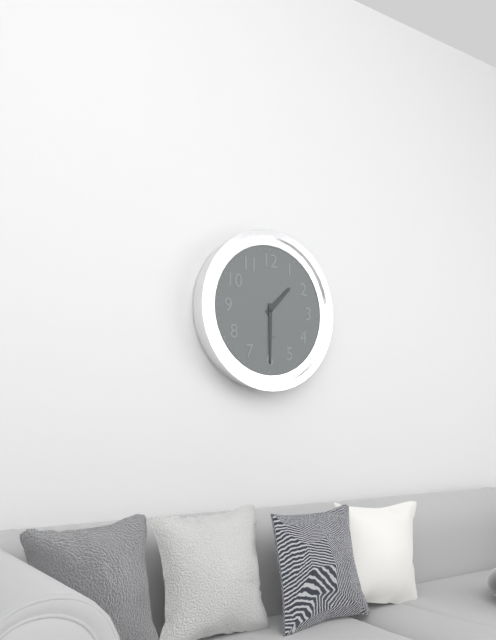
1:30
